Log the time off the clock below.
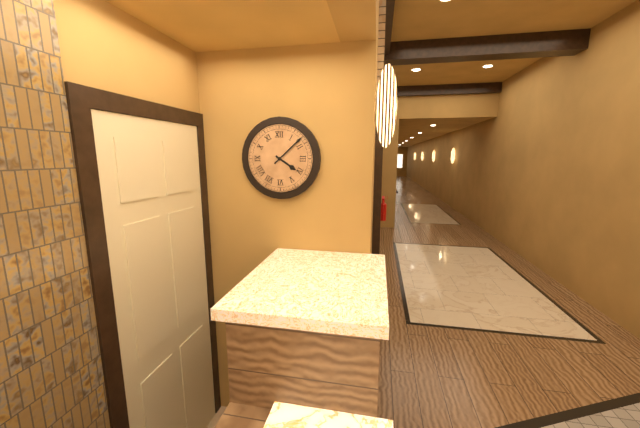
4:08
